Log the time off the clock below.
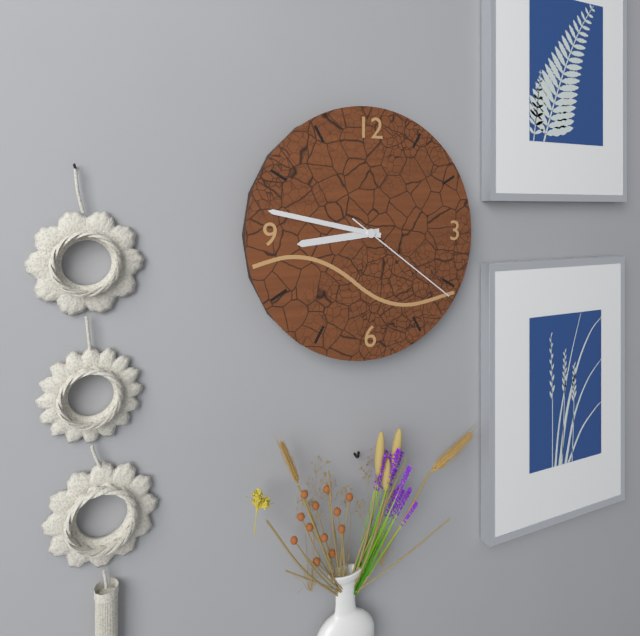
8:47:21
